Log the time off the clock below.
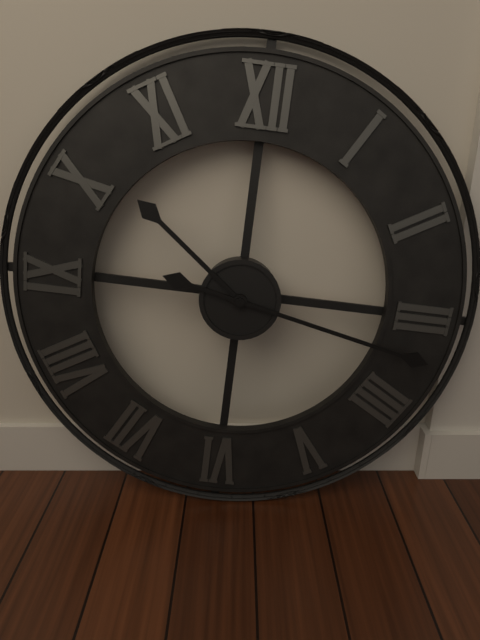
10:17
